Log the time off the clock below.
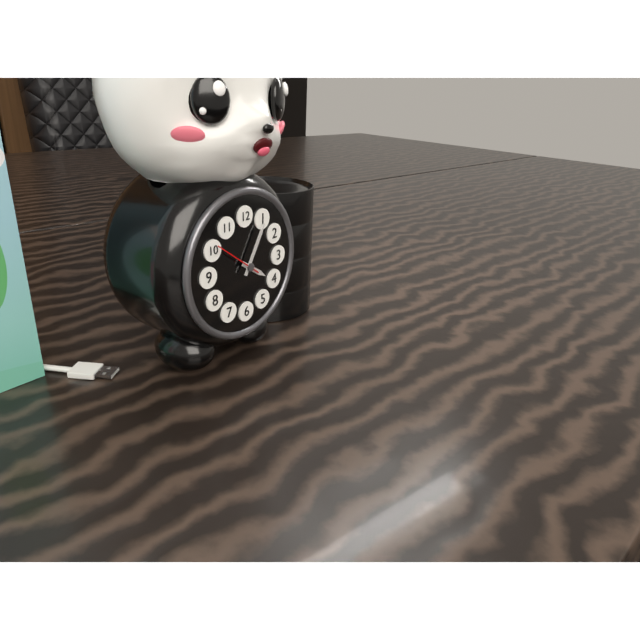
4:05
